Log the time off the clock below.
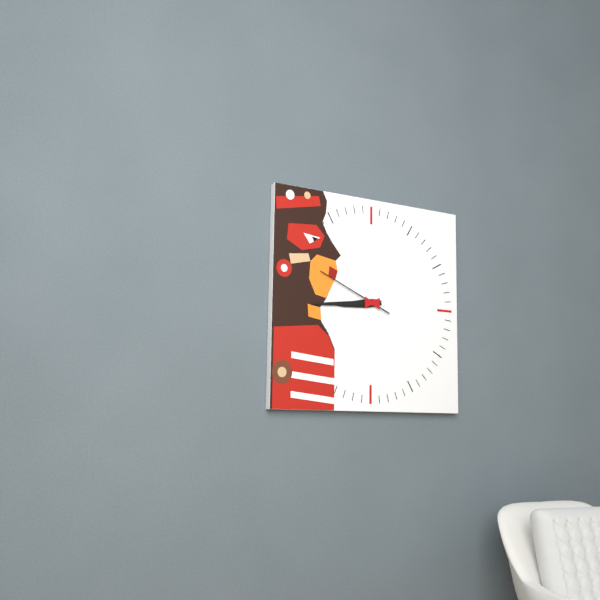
8:44:49
